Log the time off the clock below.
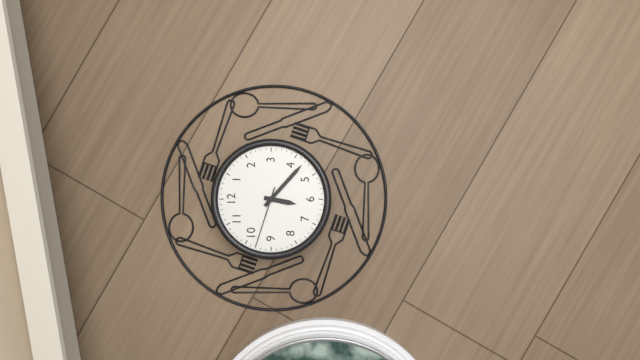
6:22:48
